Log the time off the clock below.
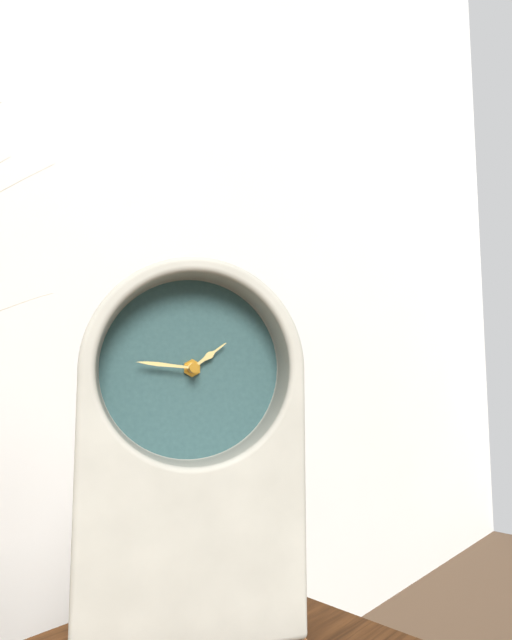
1:46
